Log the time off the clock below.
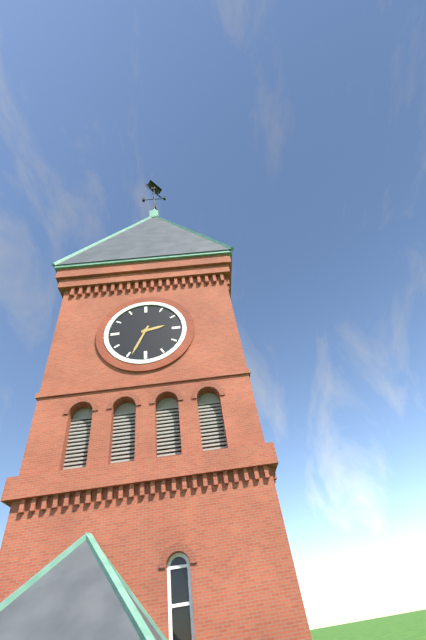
2:34
